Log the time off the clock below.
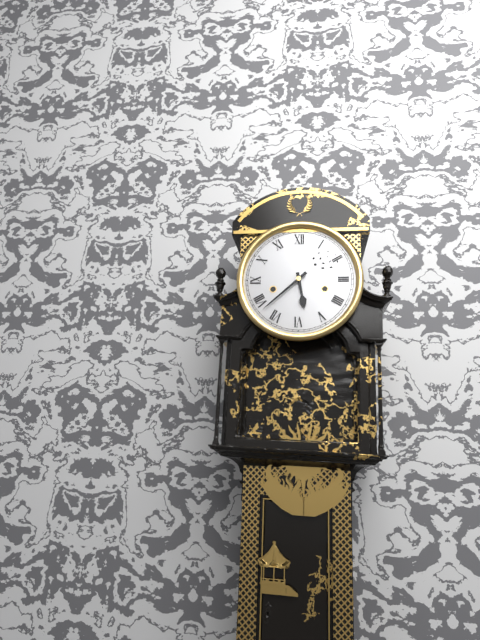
5:38
